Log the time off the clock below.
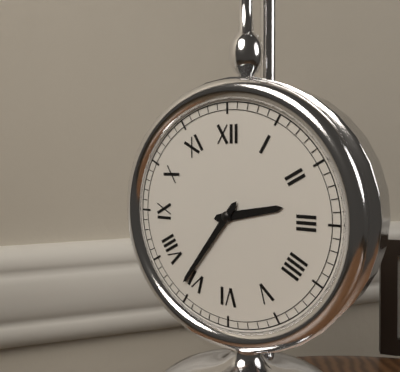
2:36
